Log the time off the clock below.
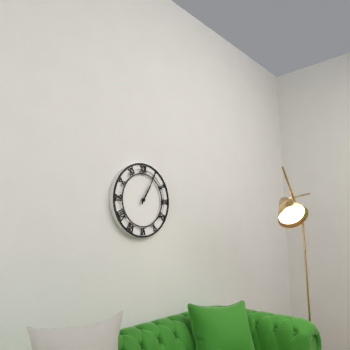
1:05
